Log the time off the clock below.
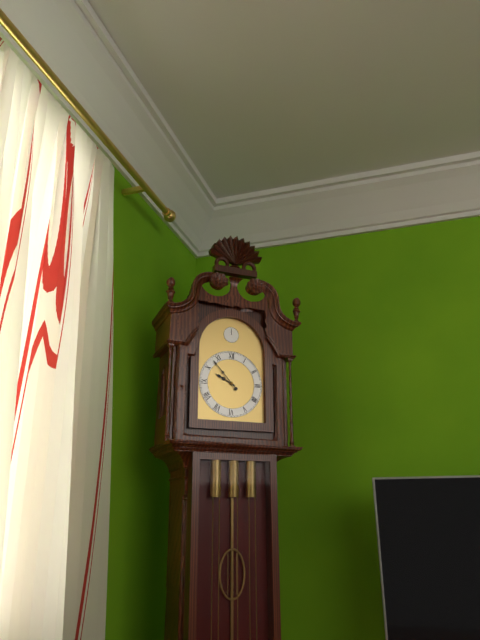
9:53
